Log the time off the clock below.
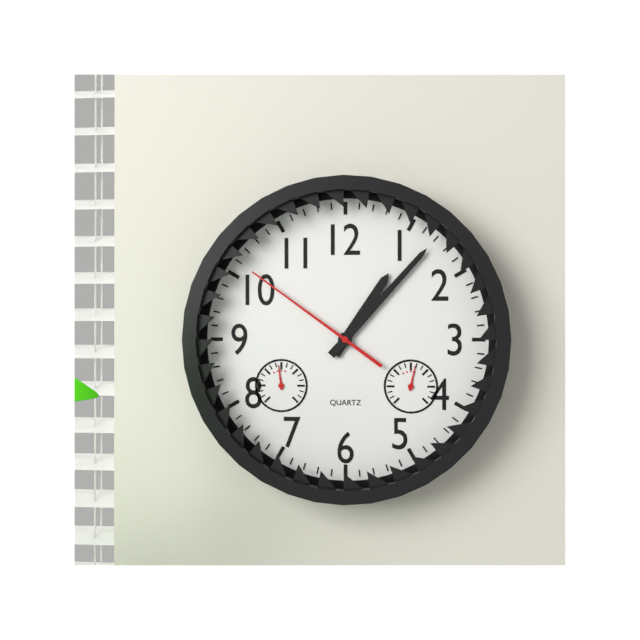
1:07:51
